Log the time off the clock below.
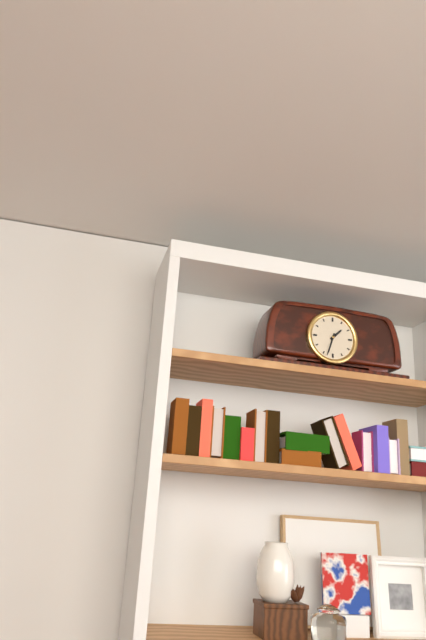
1:33
